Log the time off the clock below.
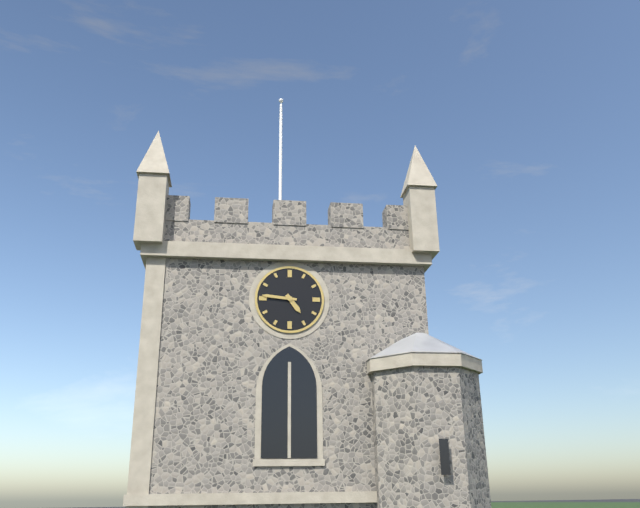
4:46
